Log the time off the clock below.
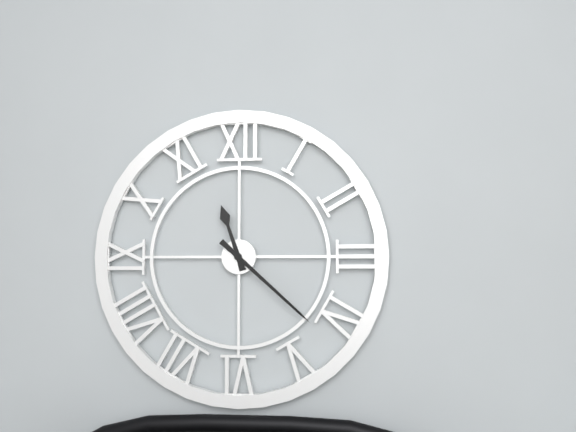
11:22
